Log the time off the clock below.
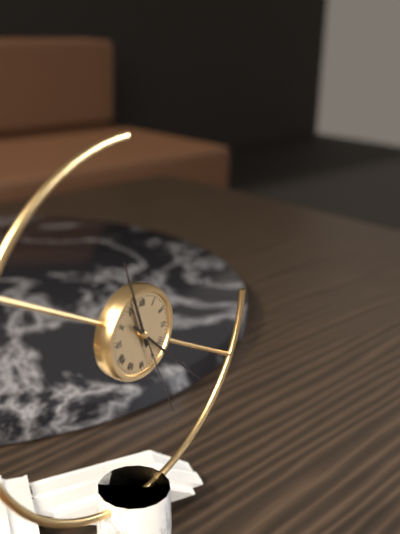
11:22:26
